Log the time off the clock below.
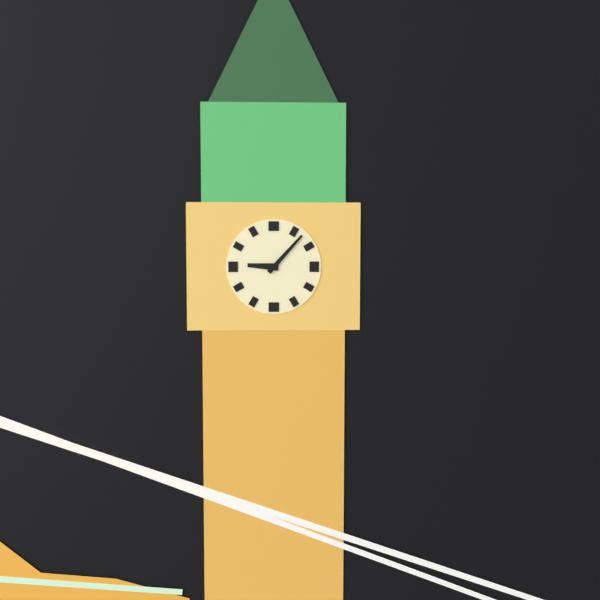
9:07
